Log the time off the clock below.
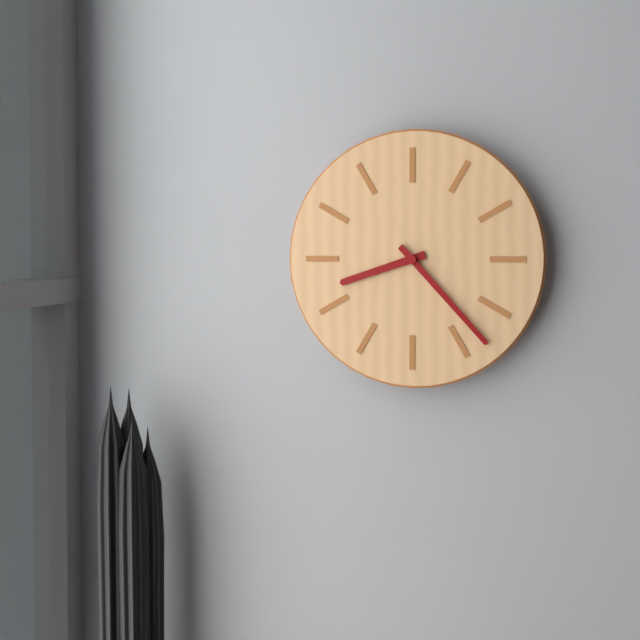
8:23
